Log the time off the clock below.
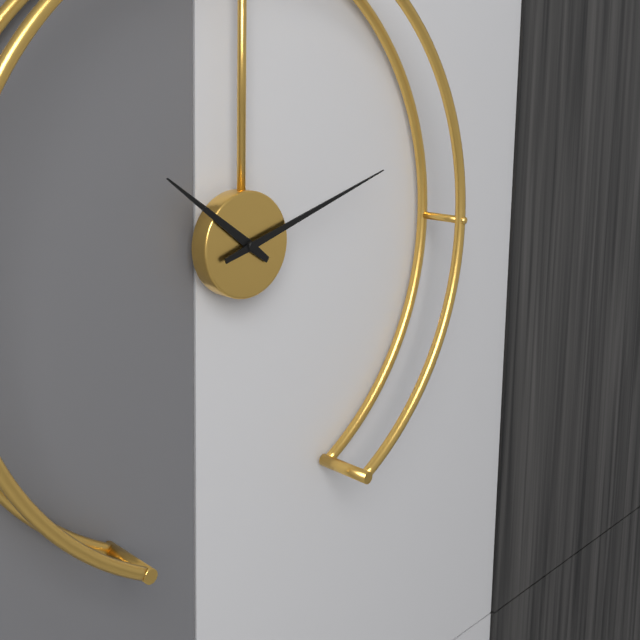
10:12
